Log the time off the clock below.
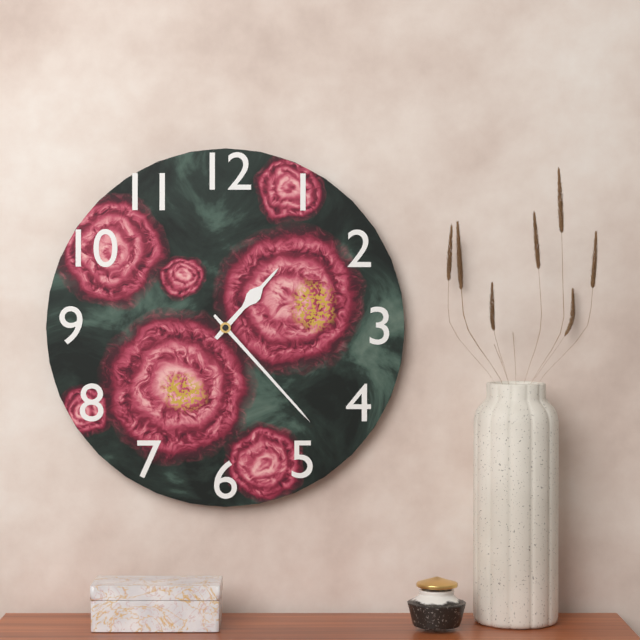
1:23
